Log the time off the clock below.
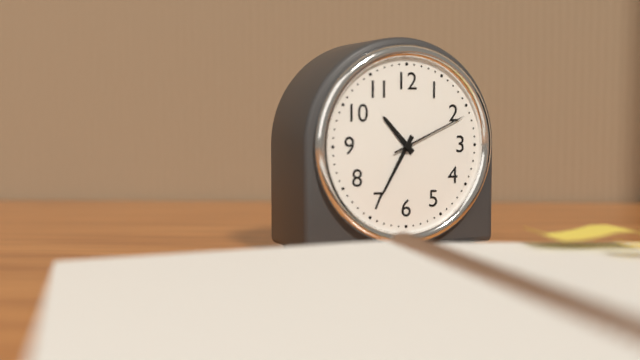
10:35:11
